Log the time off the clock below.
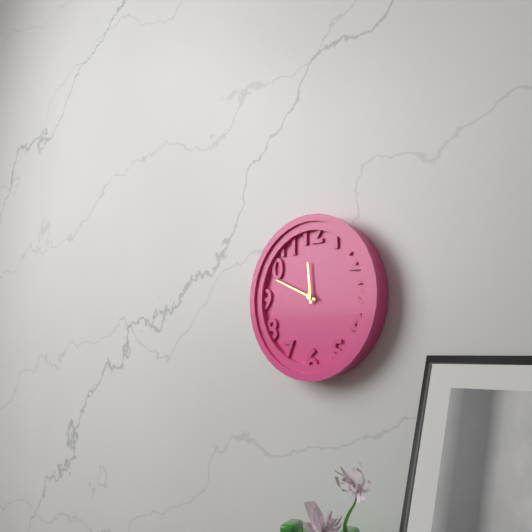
11:49
